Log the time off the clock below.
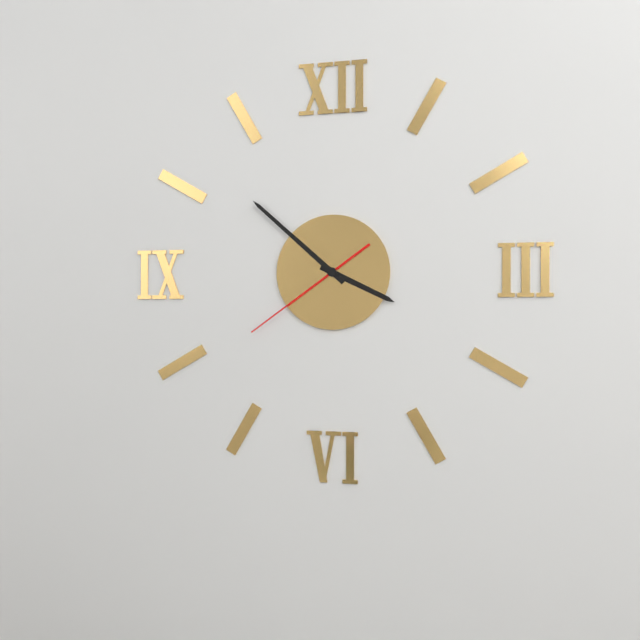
3:52:39
